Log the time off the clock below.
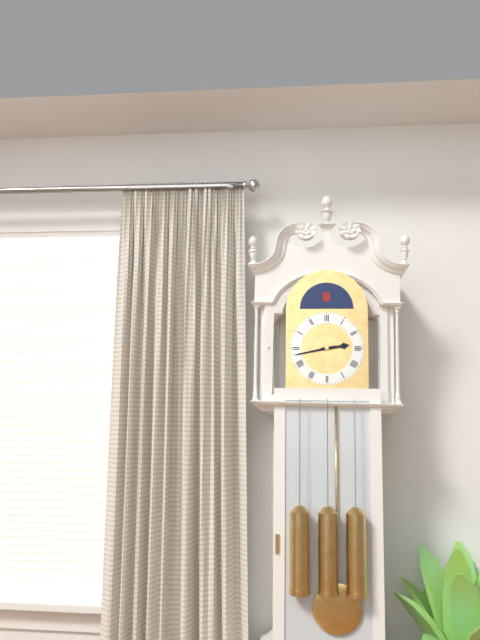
2:43
